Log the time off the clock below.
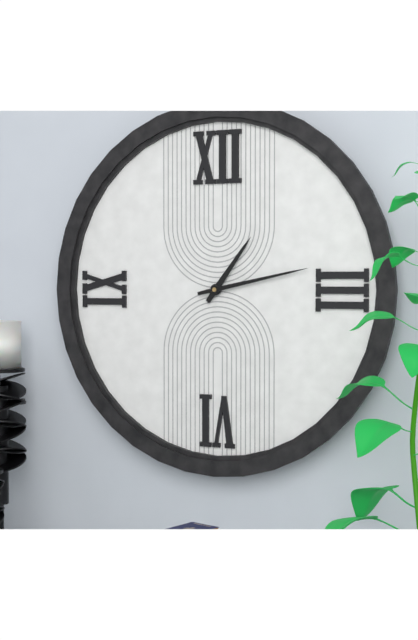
1:13
